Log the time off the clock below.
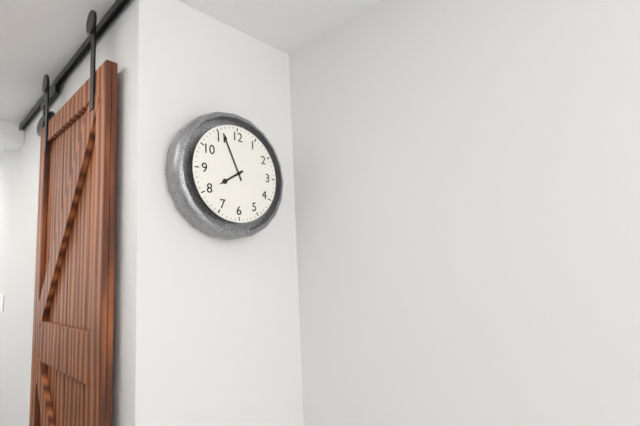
7:56
